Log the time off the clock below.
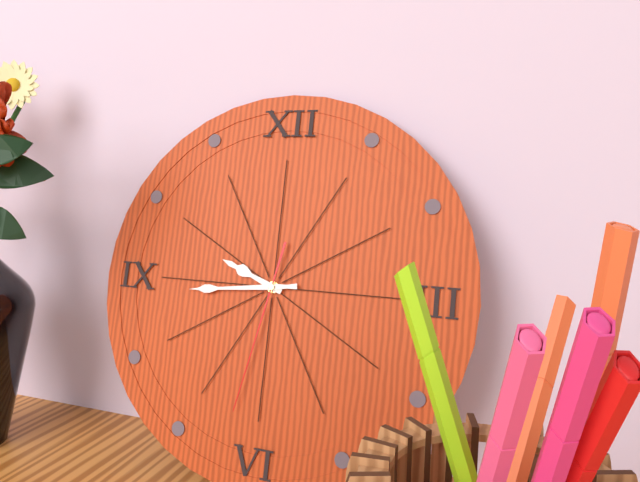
9:44:32
